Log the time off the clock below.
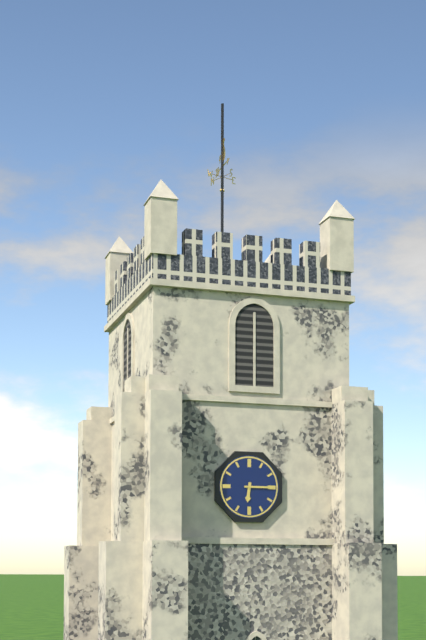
6:15
